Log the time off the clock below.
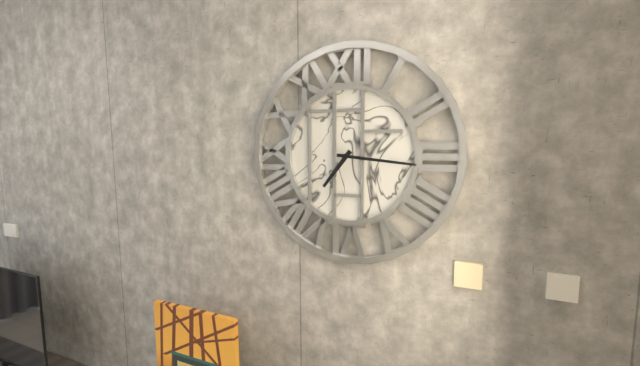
7:16
